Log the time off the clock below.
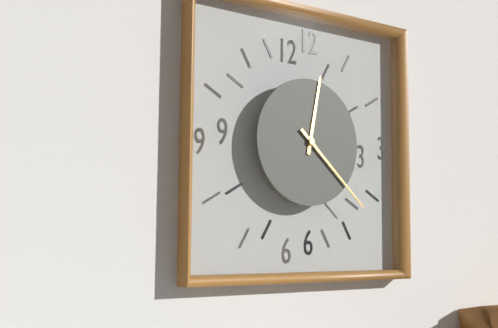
12:22
